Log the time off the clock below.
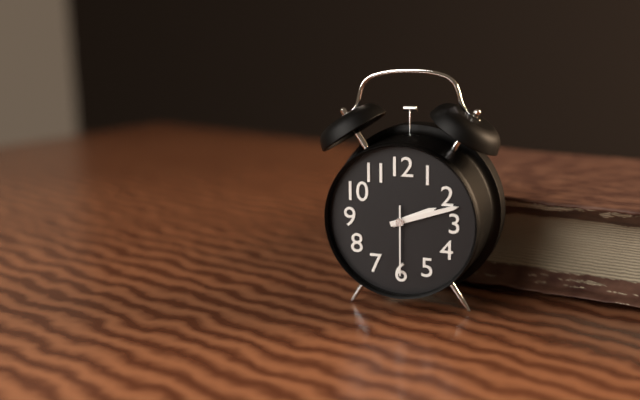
2:12:30
